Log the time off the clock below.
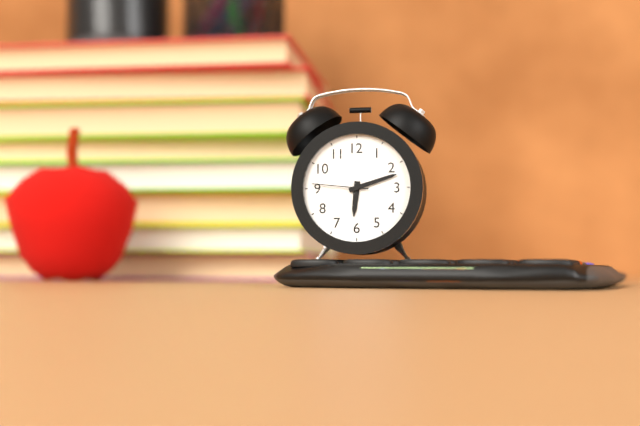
6:12:46
